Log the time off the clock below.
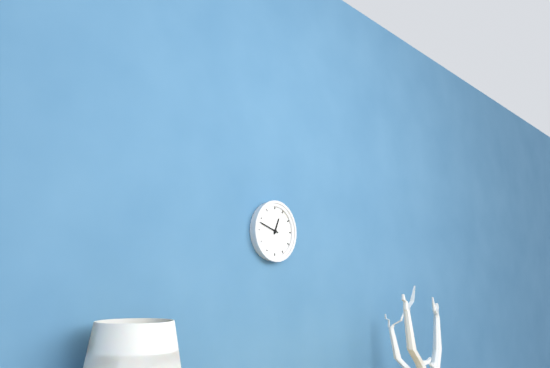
12:48
